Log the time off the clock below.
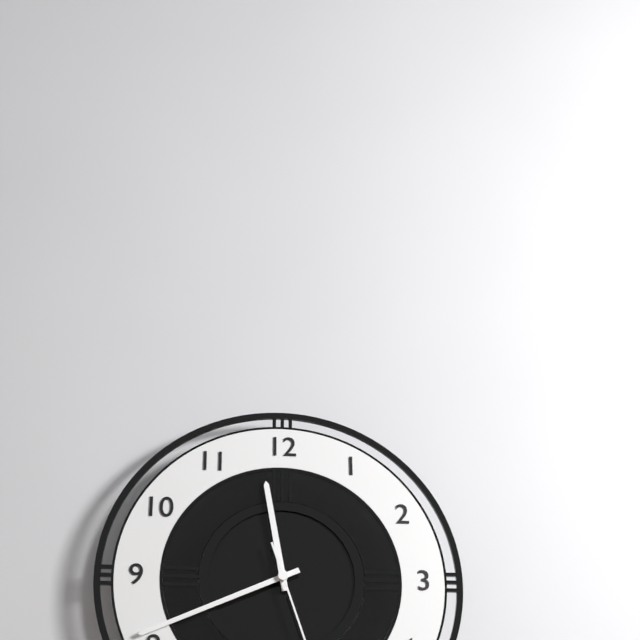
11:41
